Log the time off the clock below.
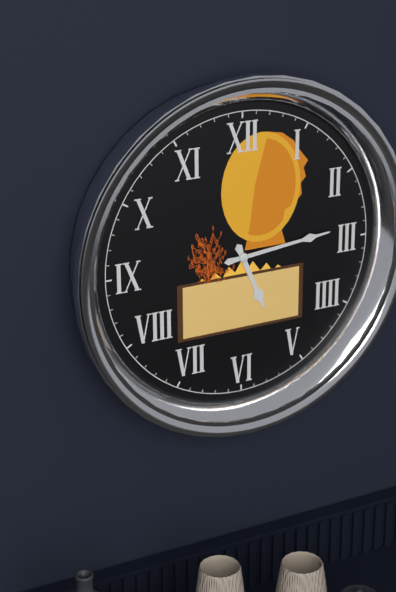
5:14
